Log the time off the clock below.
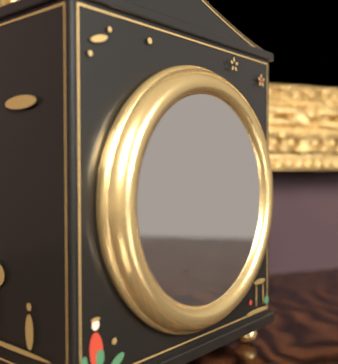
10:40
